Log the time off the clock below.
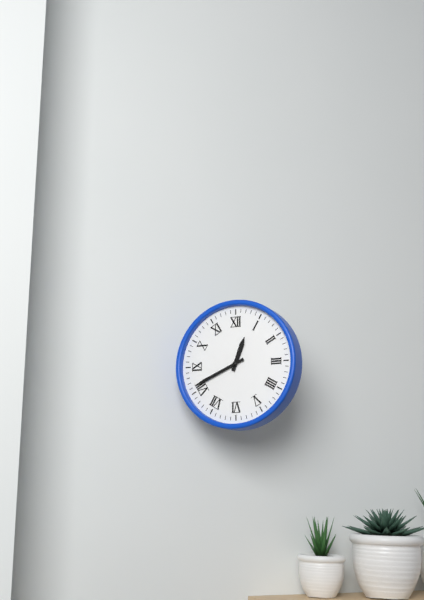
12:41
